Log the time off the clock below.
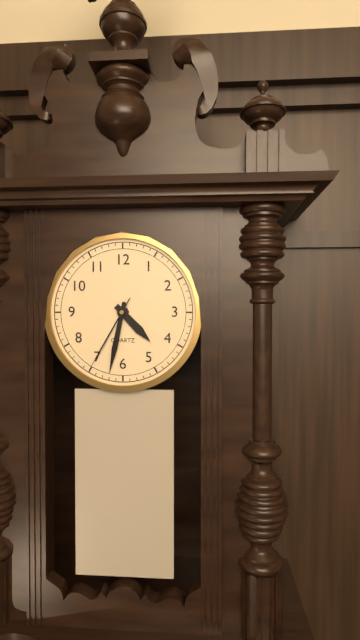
4:32:35
